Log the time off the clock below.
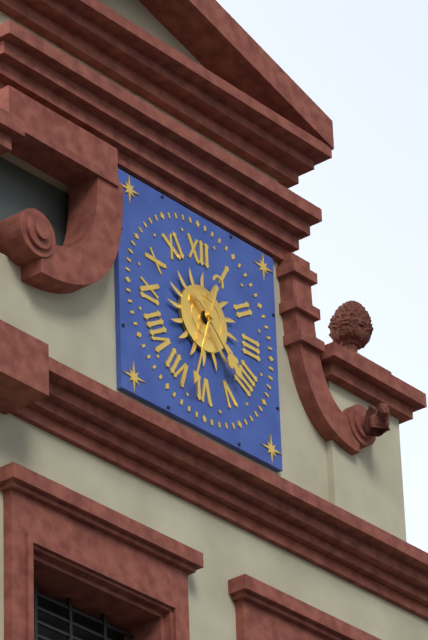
4:33
